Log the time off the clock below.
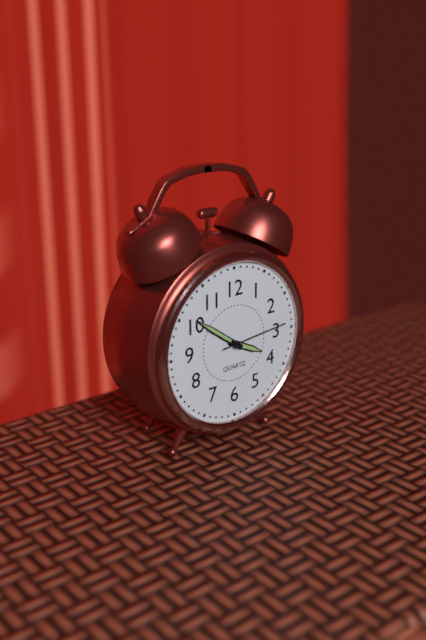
3:51:14
